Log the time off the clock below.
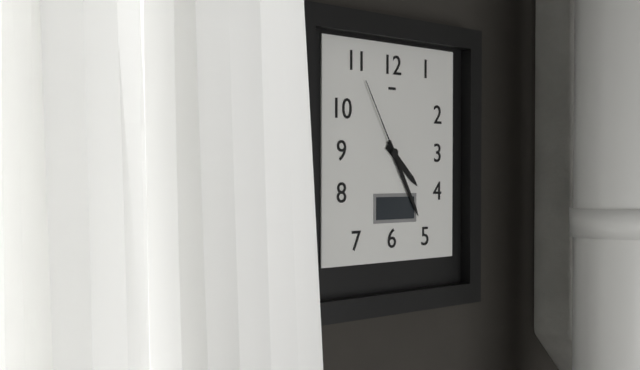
4:25:55
